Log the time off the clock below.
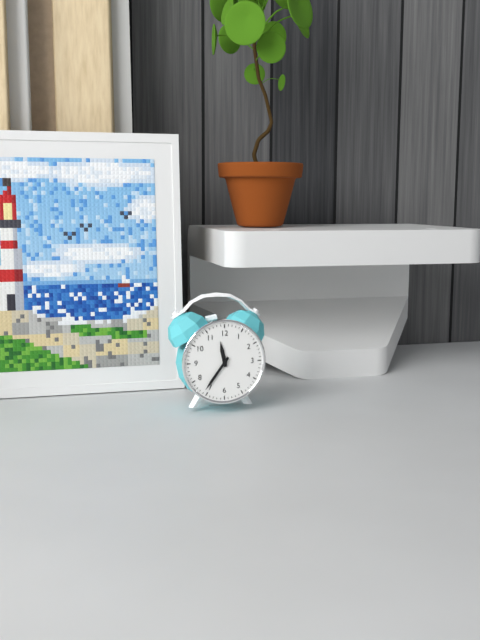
11:36
